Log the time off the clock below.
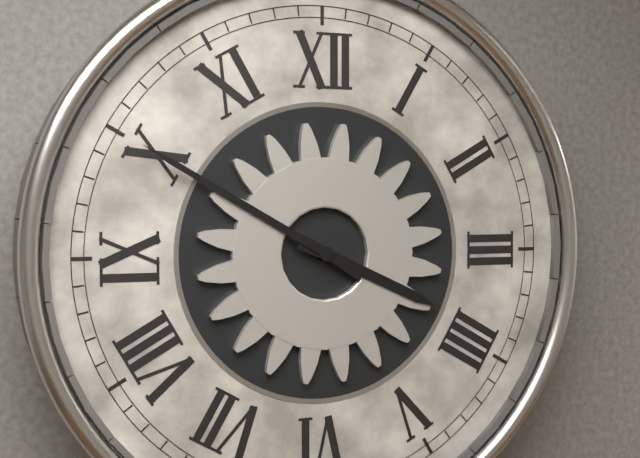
3:50
